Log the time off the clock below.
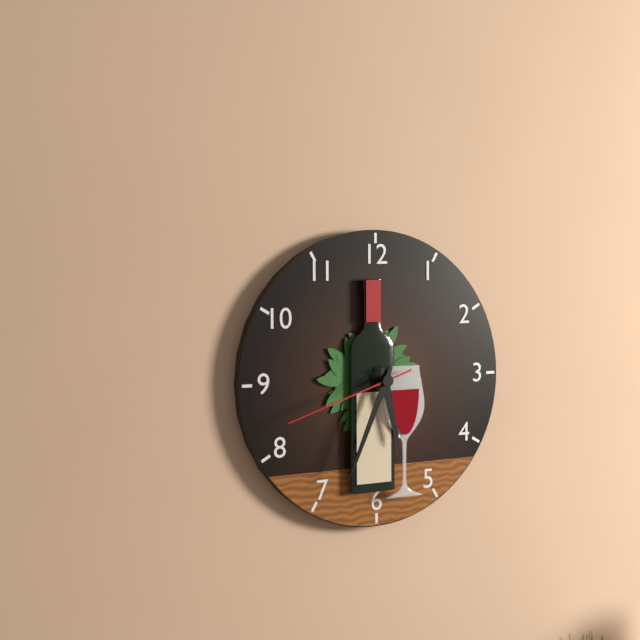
5:34:42
